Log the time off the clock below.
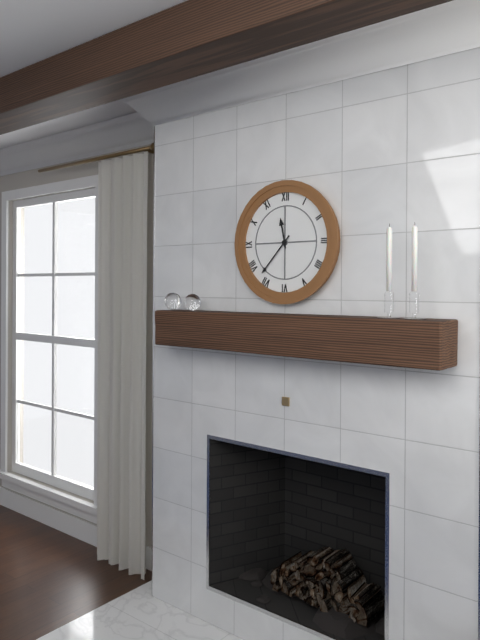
11:37
